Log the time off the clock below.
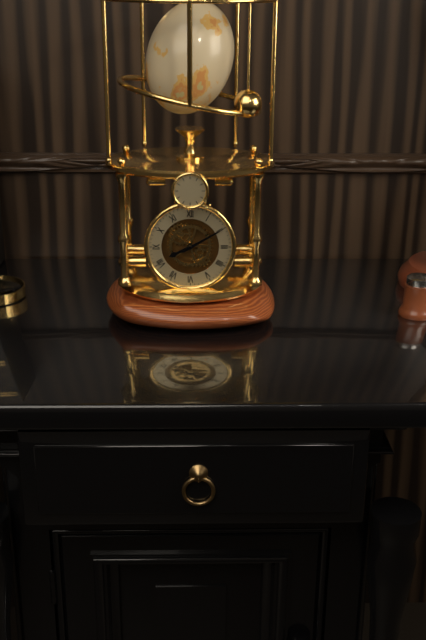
8:10
